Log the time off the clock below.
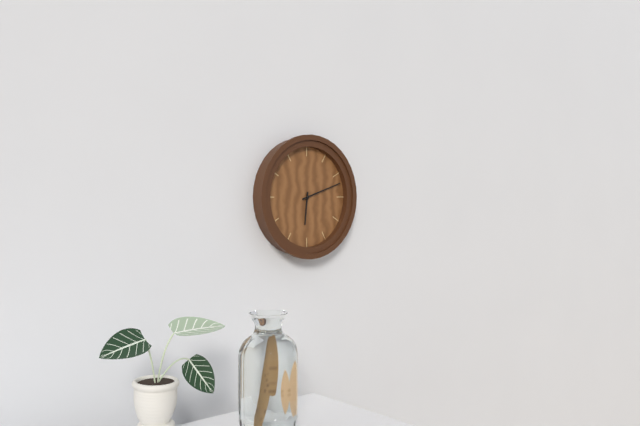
6:12
